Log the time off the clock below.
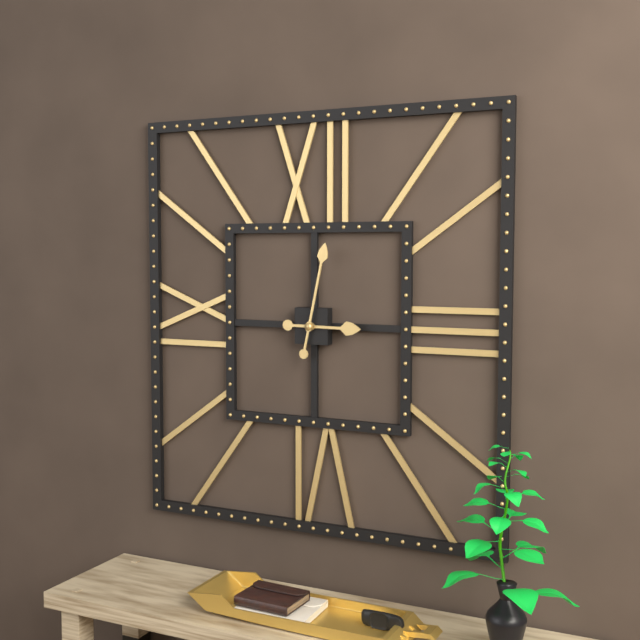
3:02
